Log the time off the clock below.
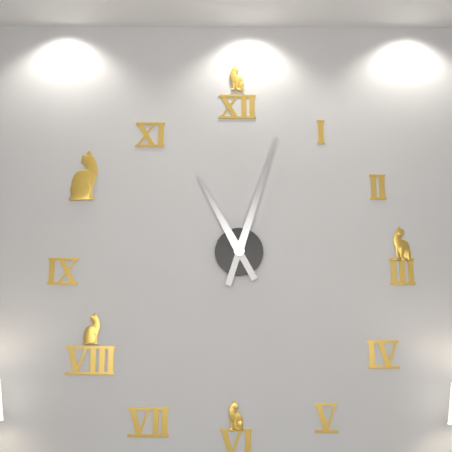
11:03
